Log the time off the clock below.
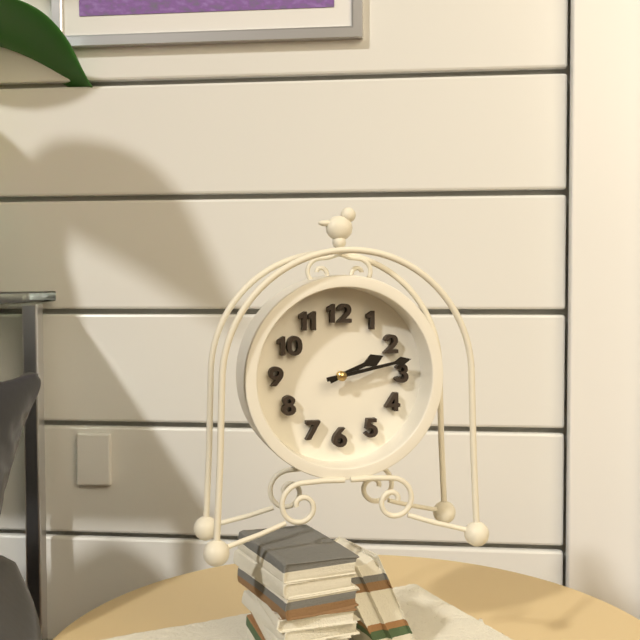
2:13
